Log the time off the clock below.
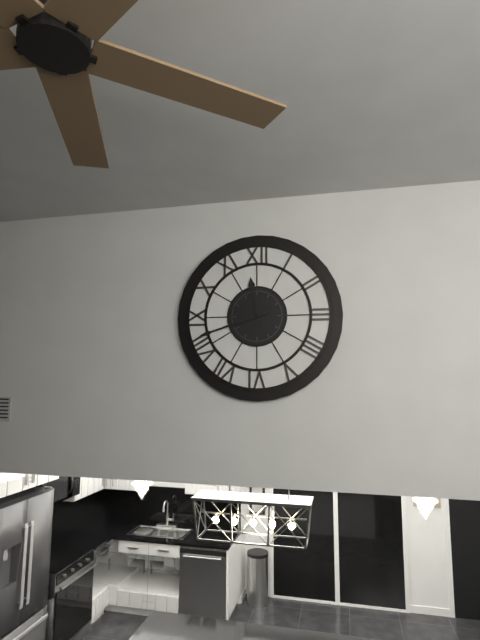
11:42
